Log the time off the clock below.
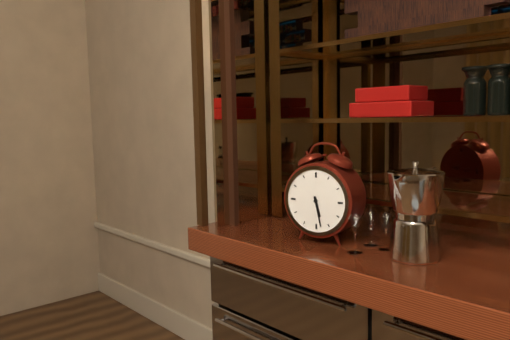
5:28
